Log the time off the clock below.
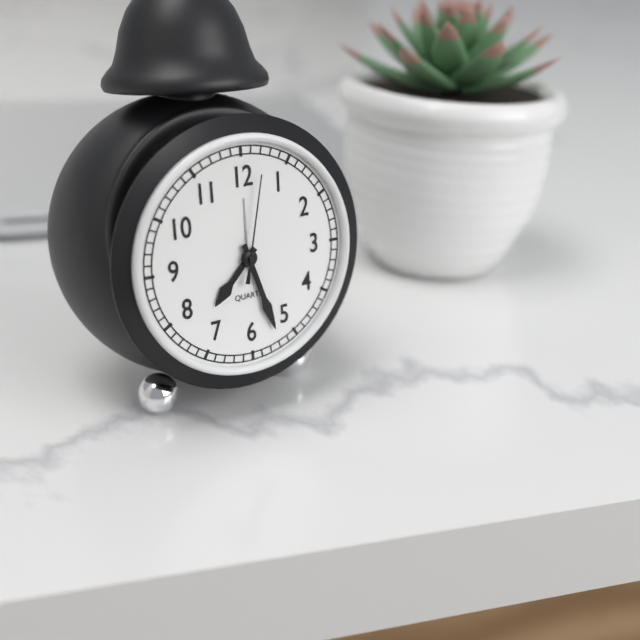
7:27:02
